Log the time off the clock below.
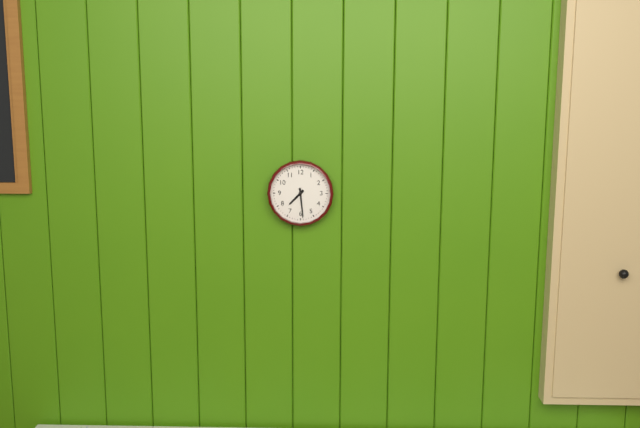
7:29
